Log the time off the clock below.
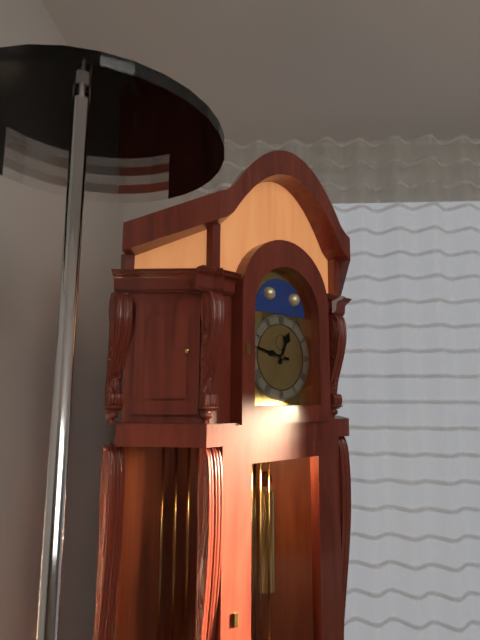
12:47
